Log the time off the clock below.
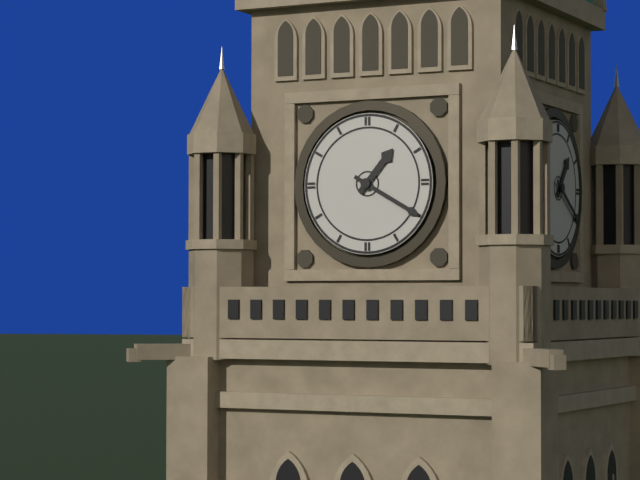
1:20
